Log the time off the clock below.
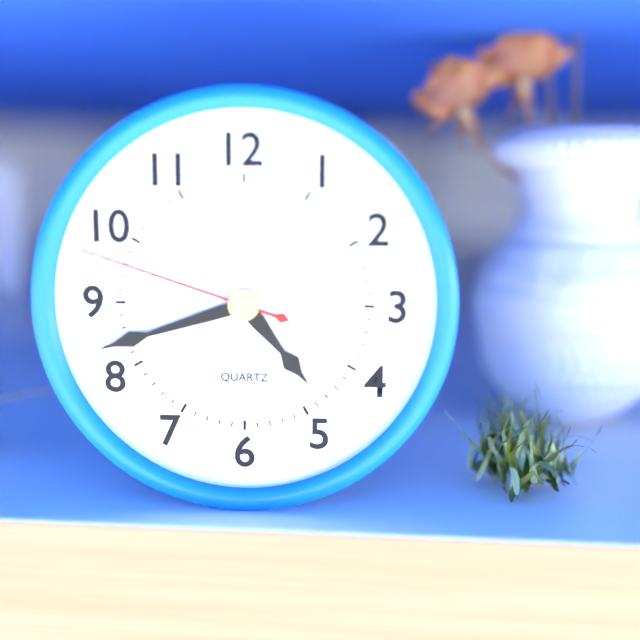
4:42:48
